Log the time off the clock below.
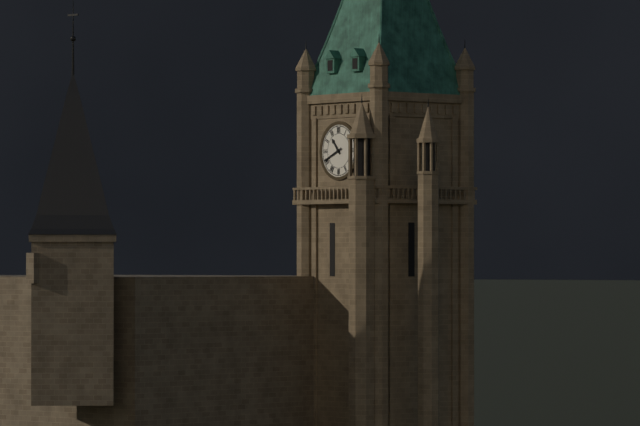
10:41
